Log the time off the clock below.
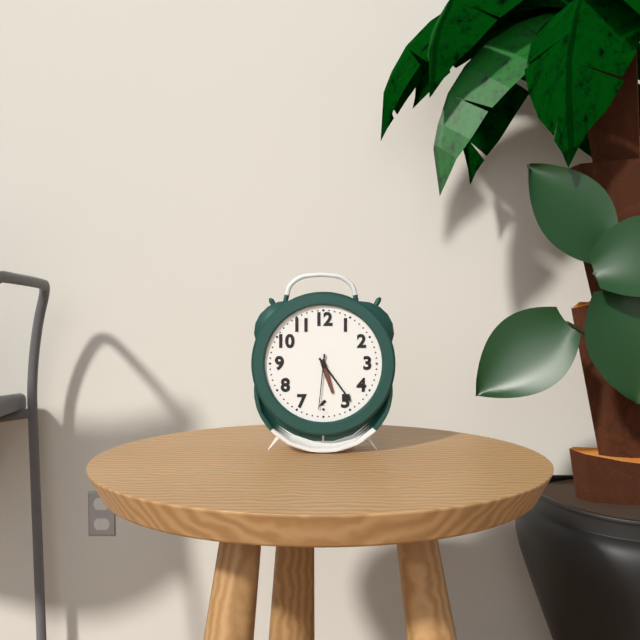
5:24:31
